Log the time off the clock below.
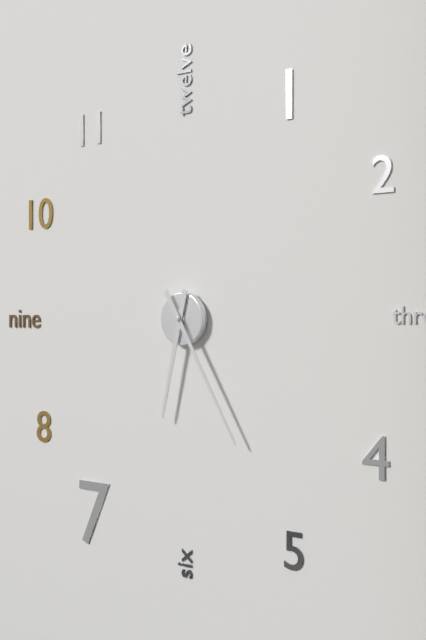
6:25
